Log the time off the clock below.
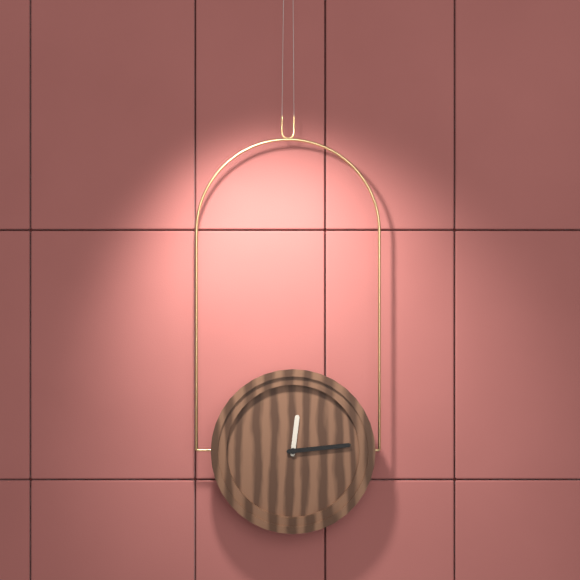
12:14
